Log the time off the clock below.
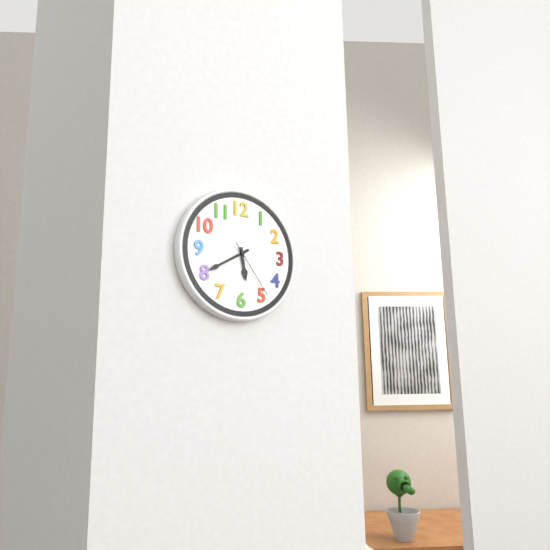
5:40:24
